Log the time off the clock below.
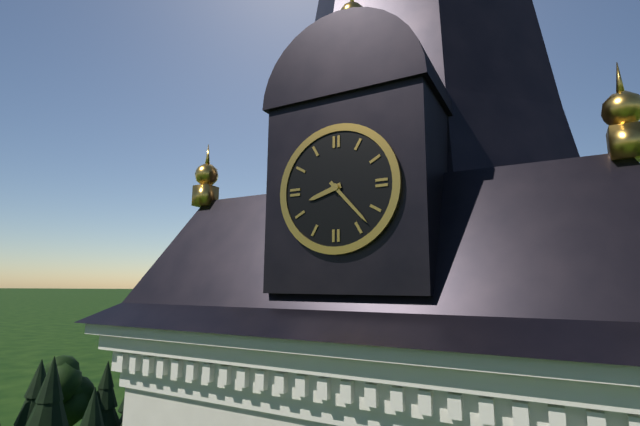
8:23
